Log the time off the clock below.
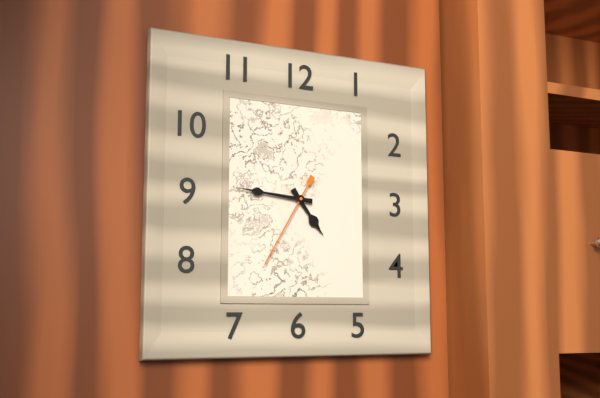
4:46:35
